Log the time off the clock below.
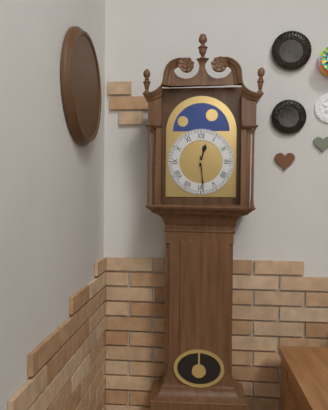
12:29
